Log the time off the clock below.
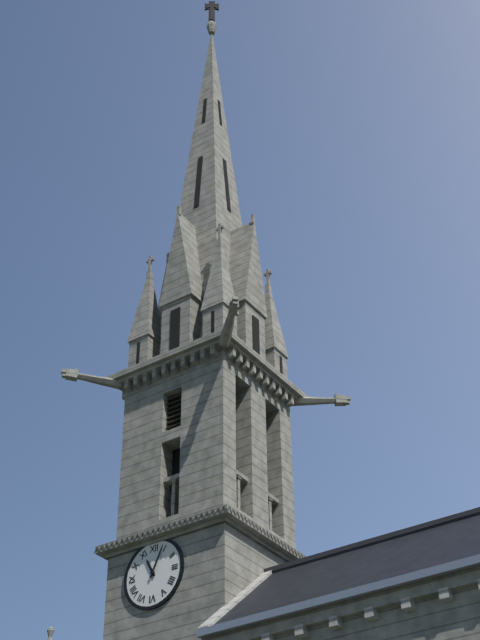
11:04
